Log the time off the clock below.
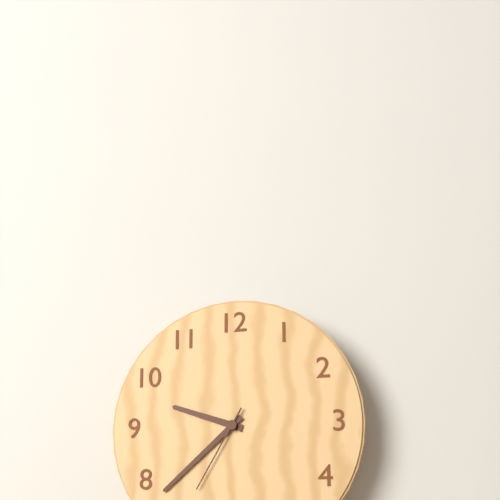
9:38:35
